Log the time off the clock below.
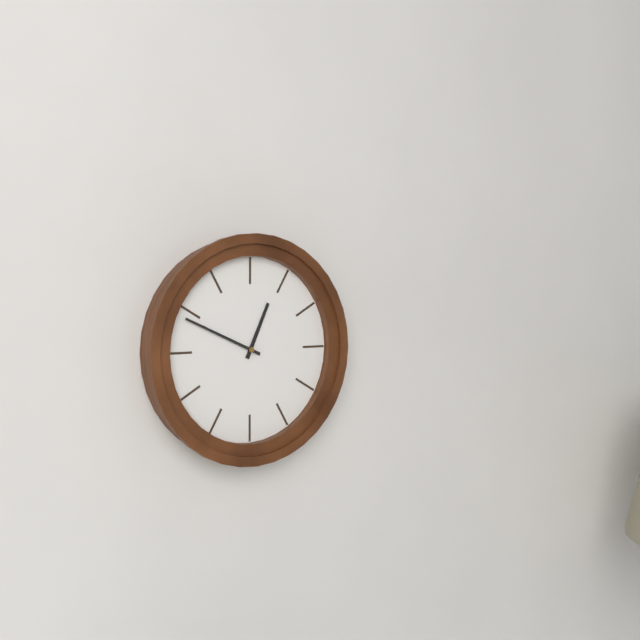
12:49
